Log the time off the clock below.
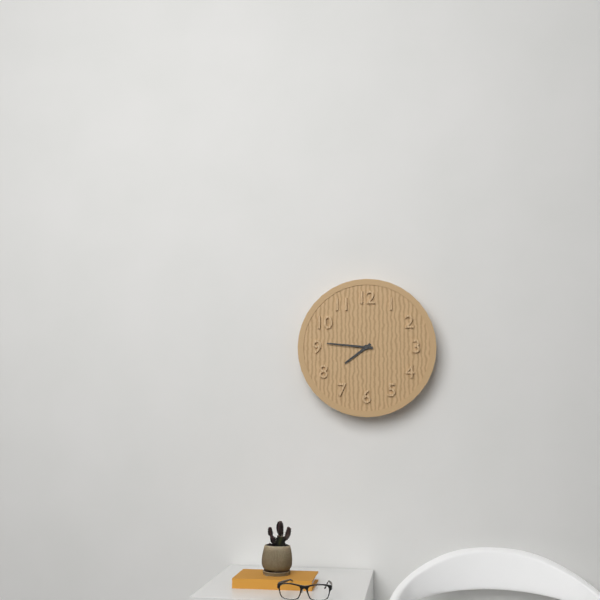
7:46
